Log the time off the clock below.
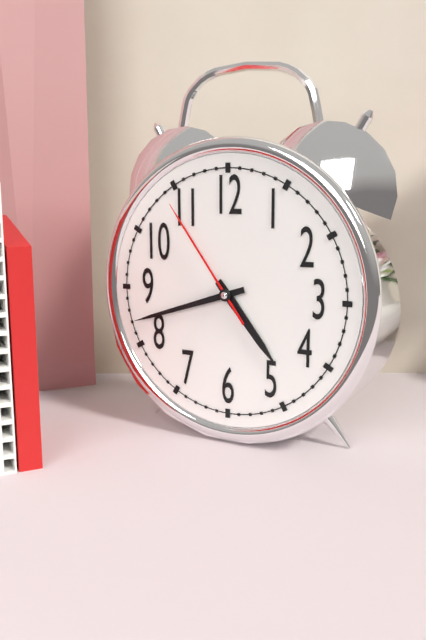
4:42:54
